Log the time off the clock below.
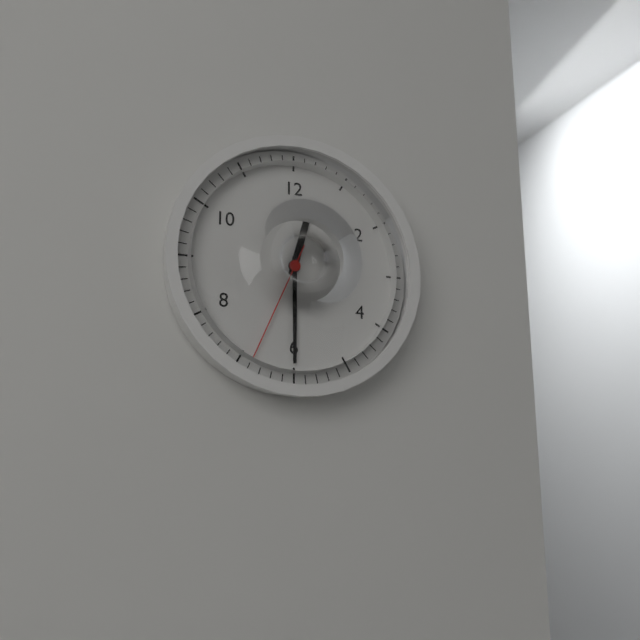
12:30:34
